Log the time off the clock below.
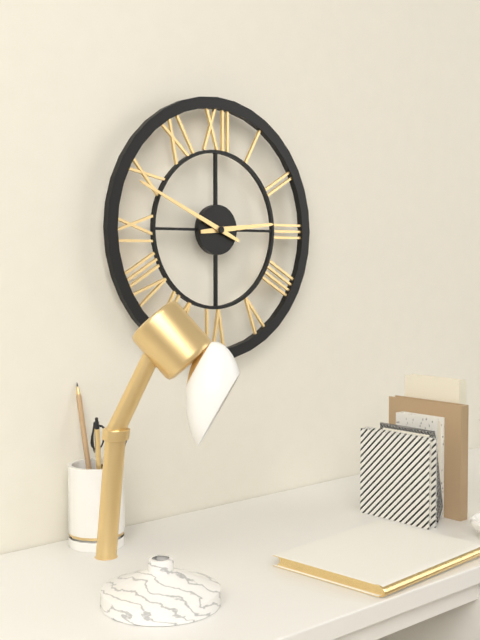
2:49
